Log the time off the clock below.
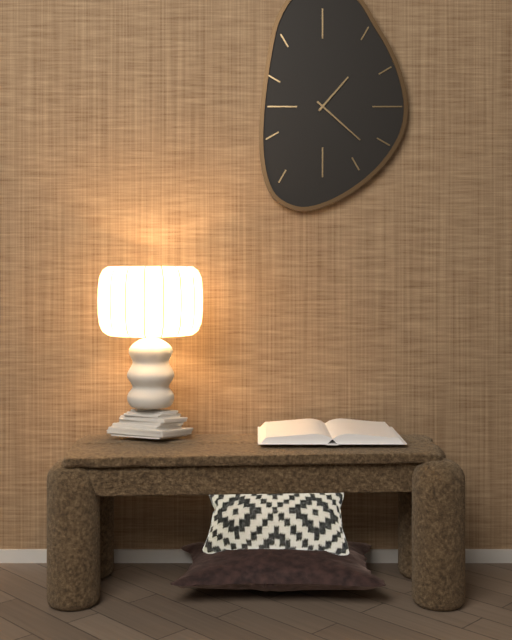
1:22
